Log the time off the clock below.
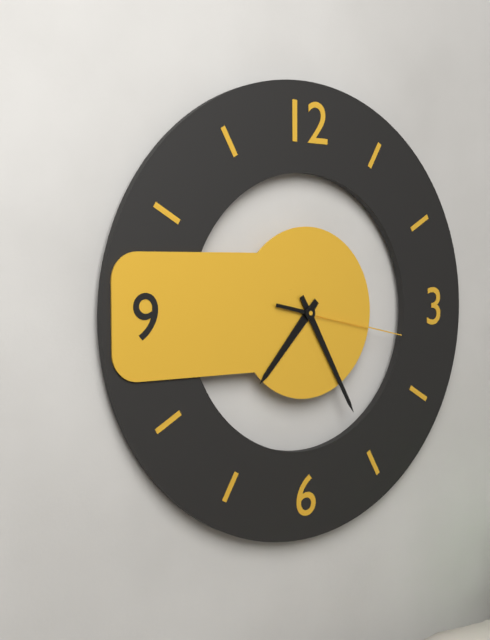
7:25:17
